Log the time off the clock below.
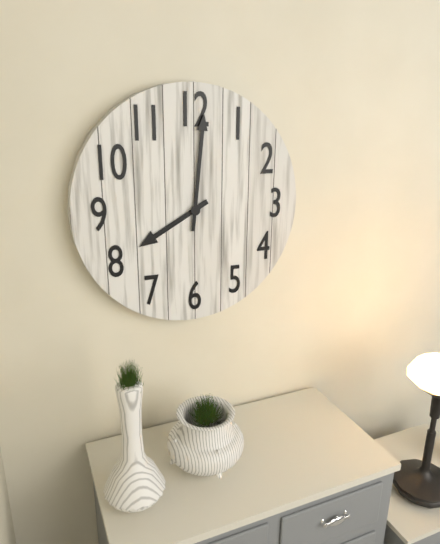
8:01
